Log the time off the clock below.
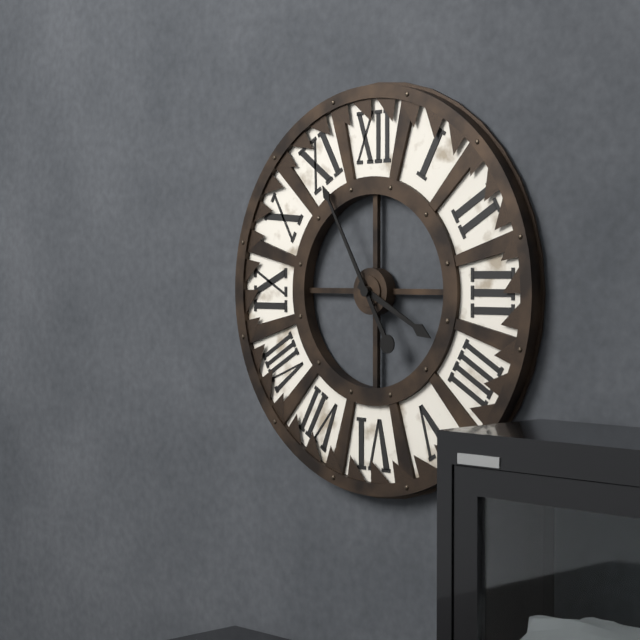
3:55
